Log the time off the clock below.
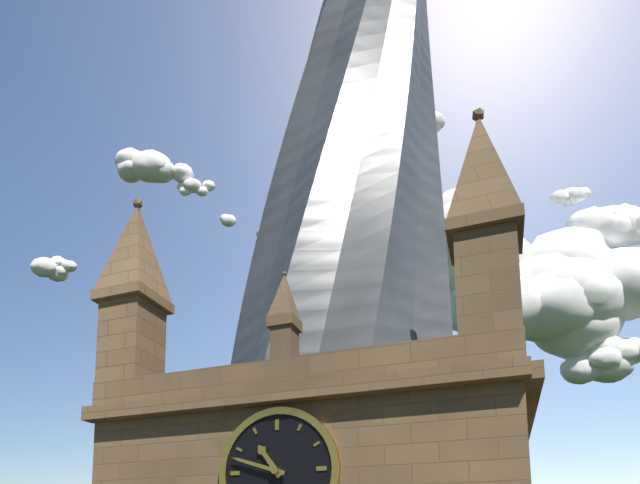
10:48
